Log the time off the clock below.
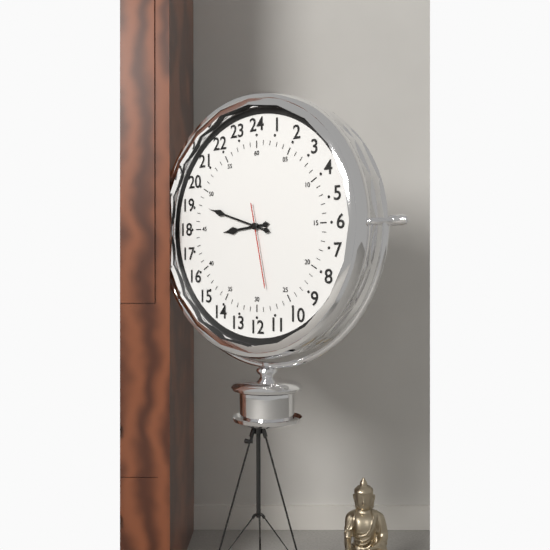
8:48:28
